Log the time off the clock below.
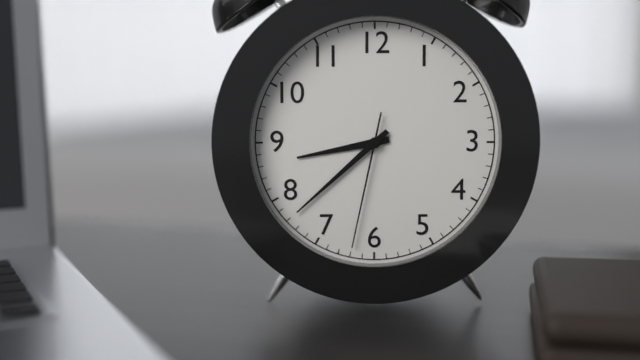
8:38:32
